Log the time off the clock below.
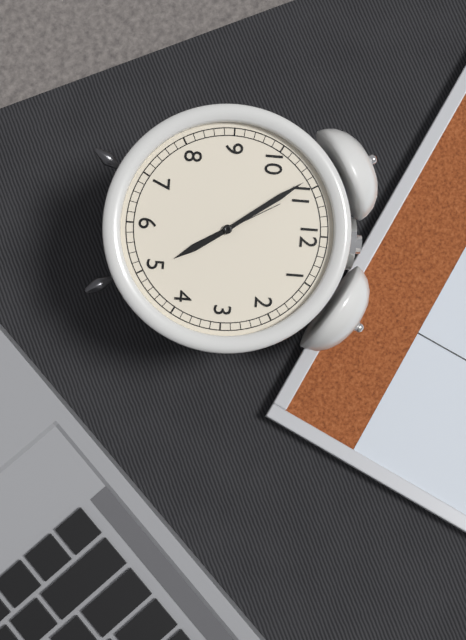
4:54:55
